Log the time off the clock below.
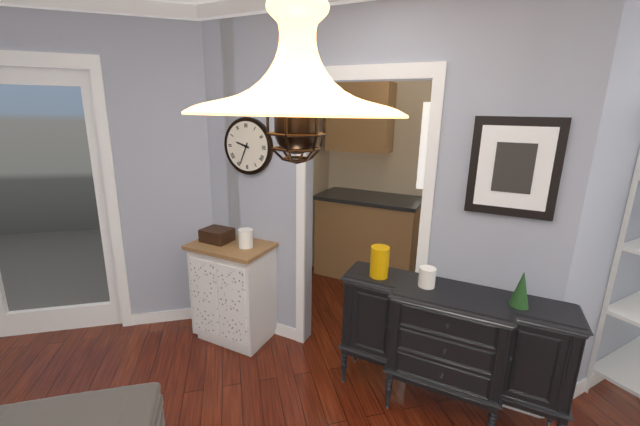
9:34
